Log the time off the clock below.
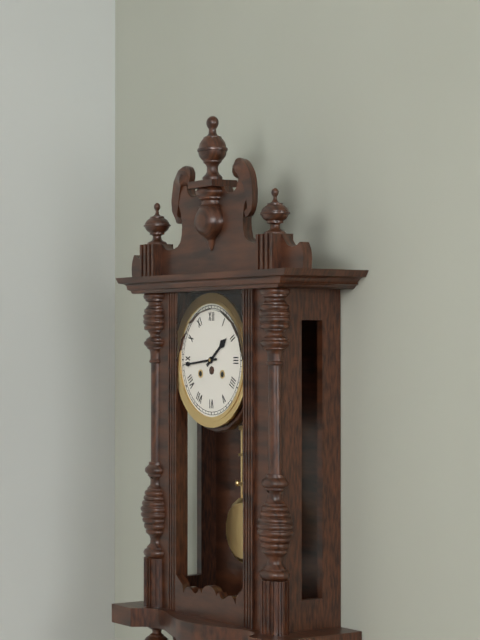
1:44
